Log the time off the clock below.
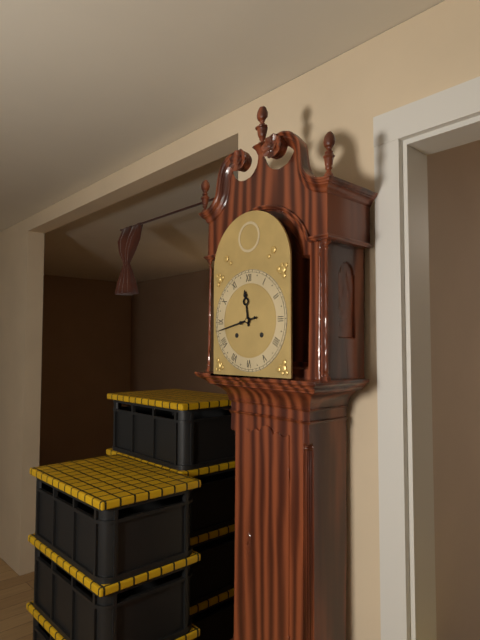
11:43
